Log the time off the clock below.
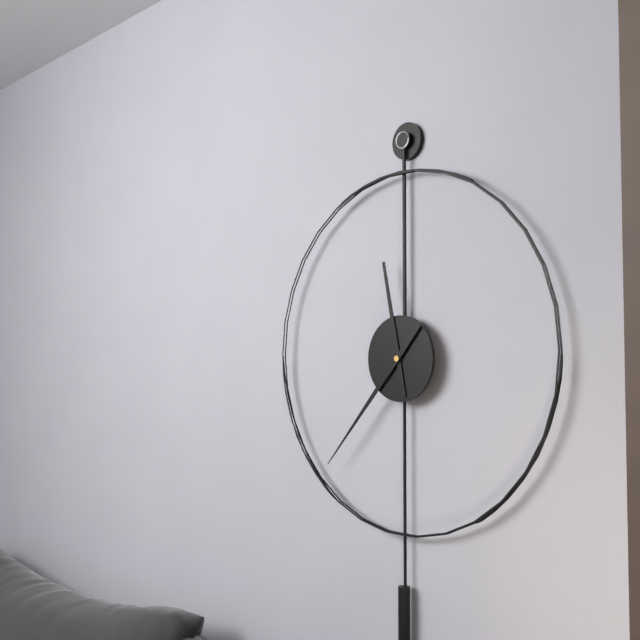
11:37
